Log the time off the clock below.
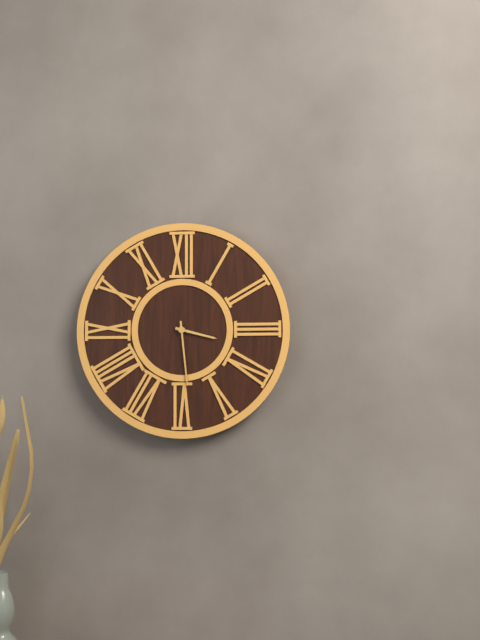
3:29
